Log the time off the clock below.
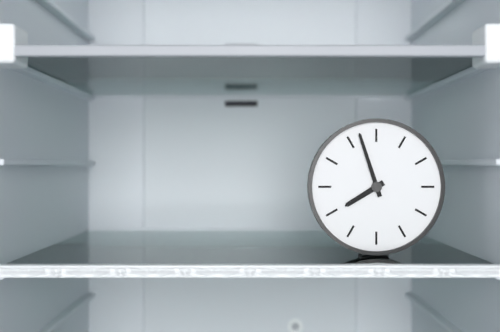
7:57
